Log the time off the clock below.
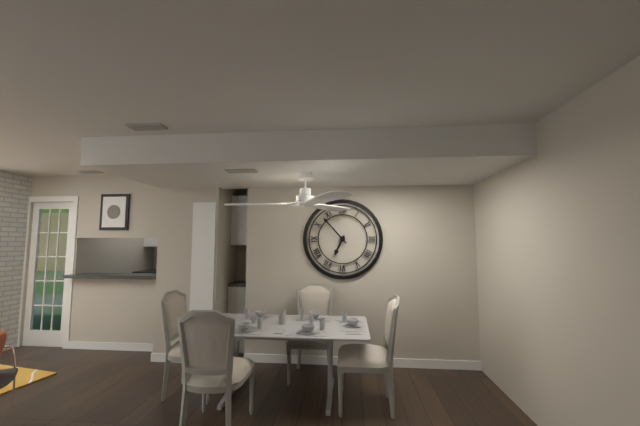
6:53
